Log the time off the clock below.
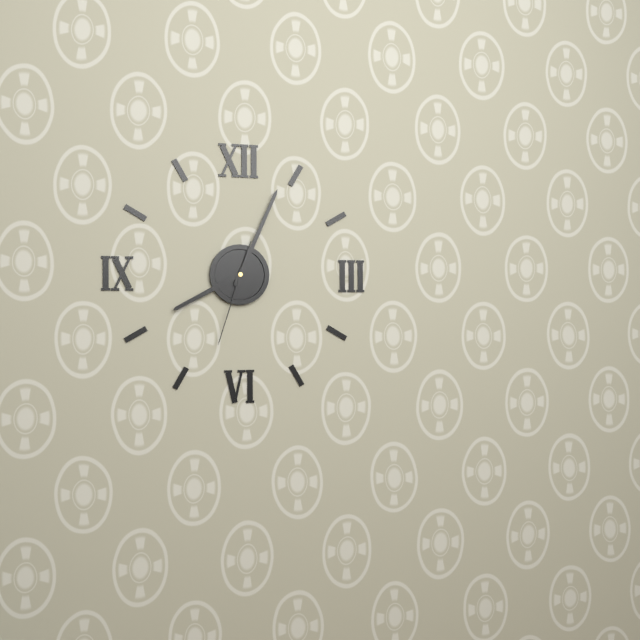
8:04:33
